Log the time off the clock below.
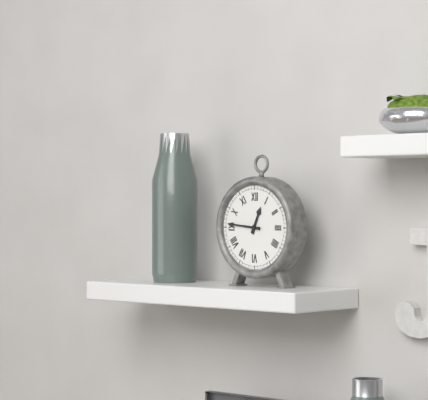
12:46
